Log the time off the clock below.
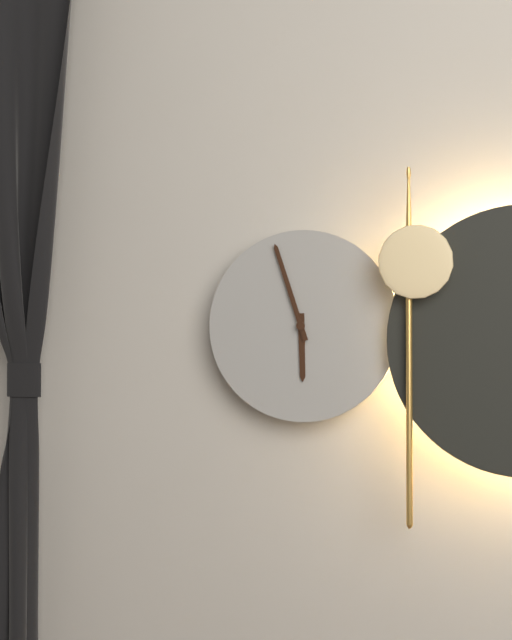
5:57
